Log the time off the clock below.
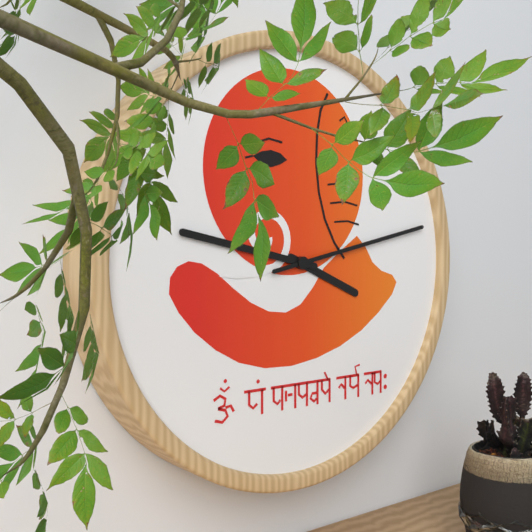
3:47:13
